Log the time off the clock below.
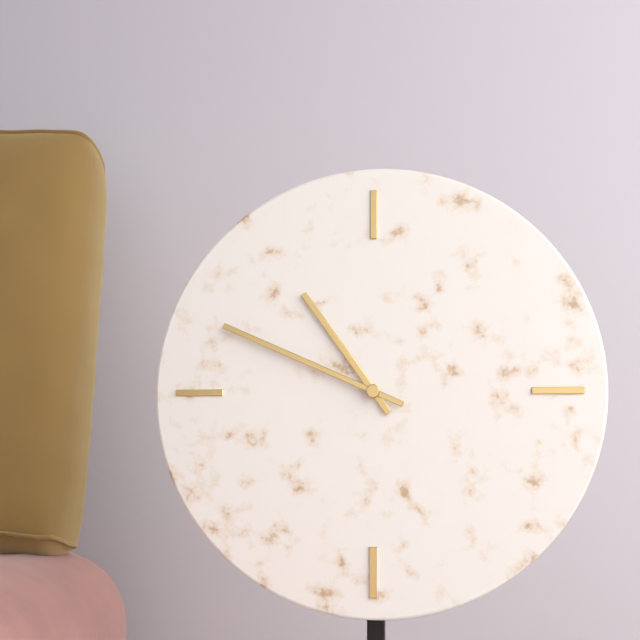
10:49
